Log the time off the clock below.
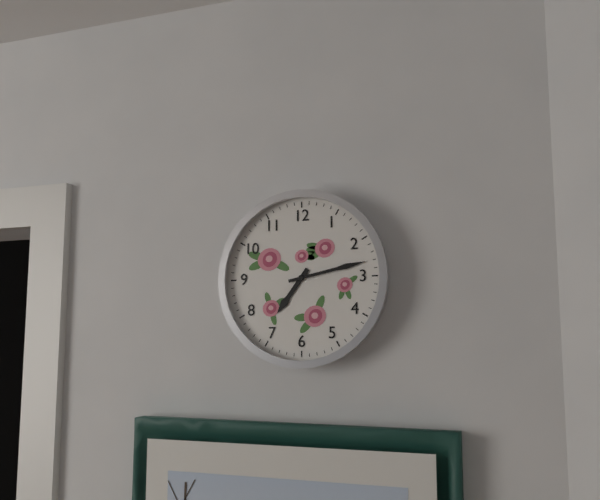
7:13
